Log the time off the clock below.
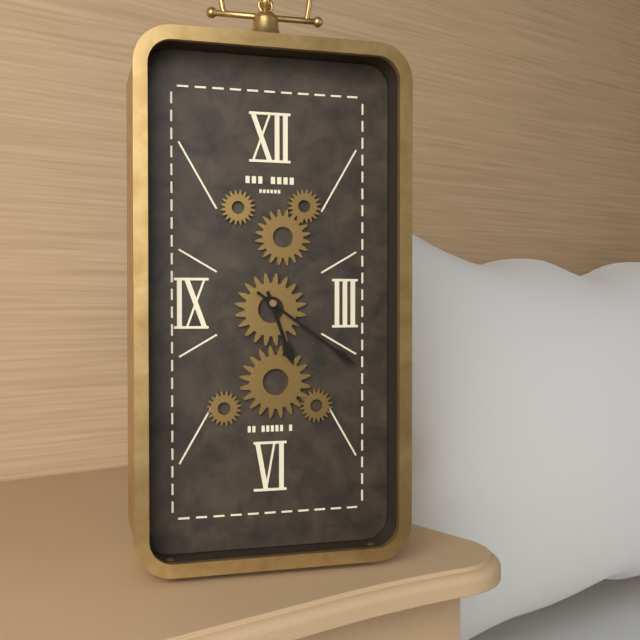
5:21
